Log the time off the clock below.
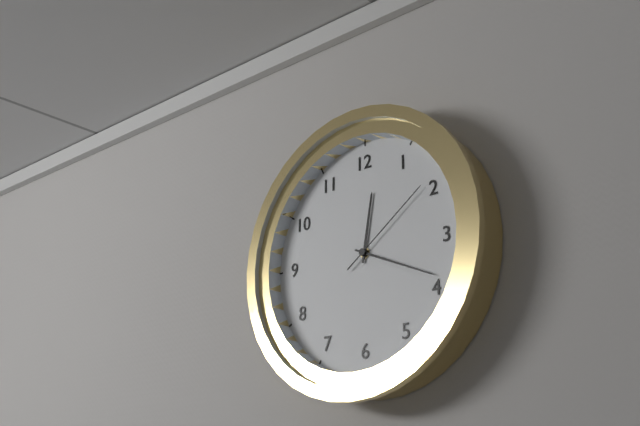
12:19:09
